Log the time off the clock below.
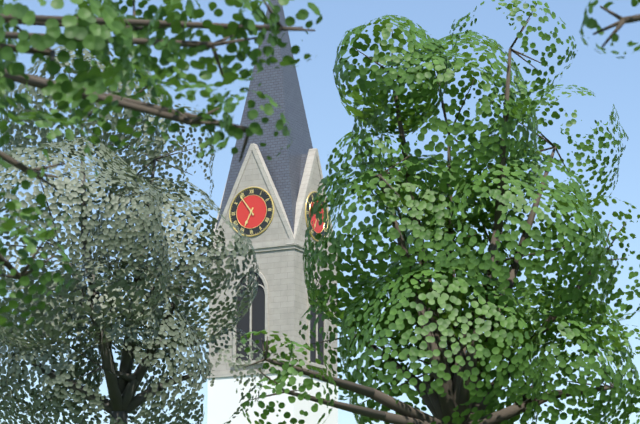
6:54
